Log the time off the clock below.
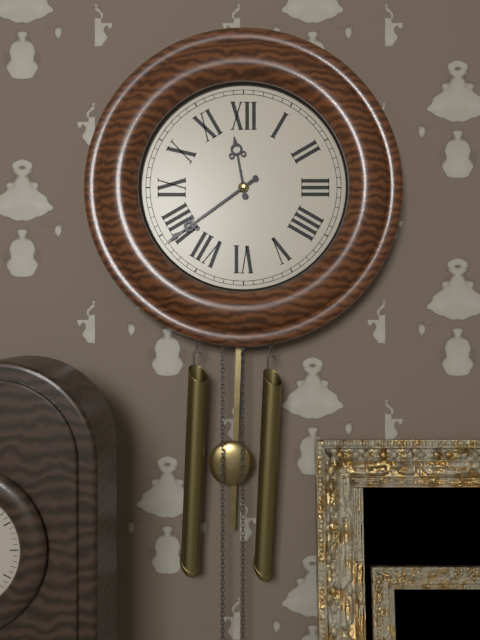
11:39
